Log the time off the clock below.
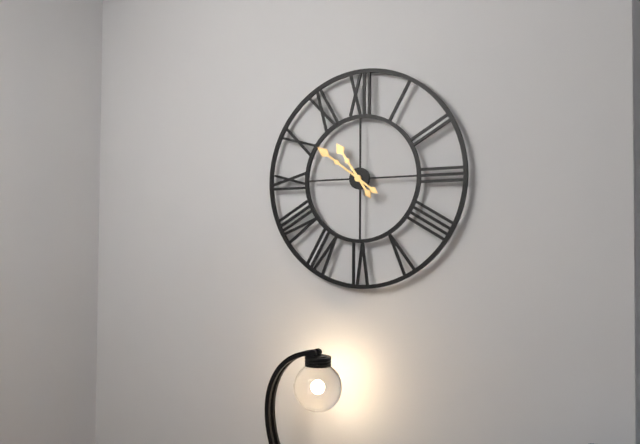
10:51
